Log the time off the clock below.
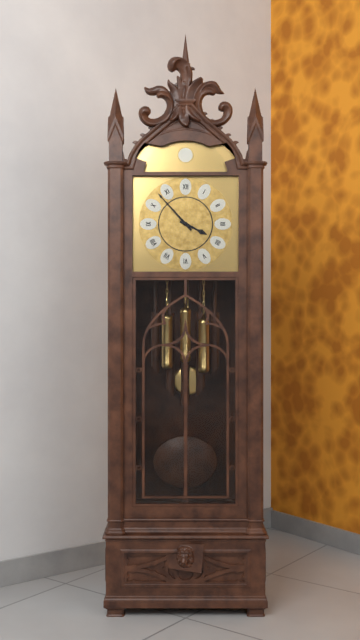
3:53
